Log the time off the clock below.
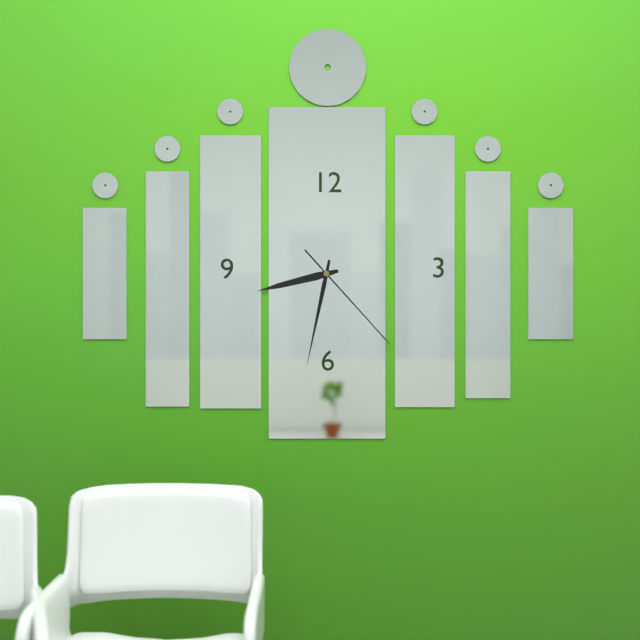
8:32:23
